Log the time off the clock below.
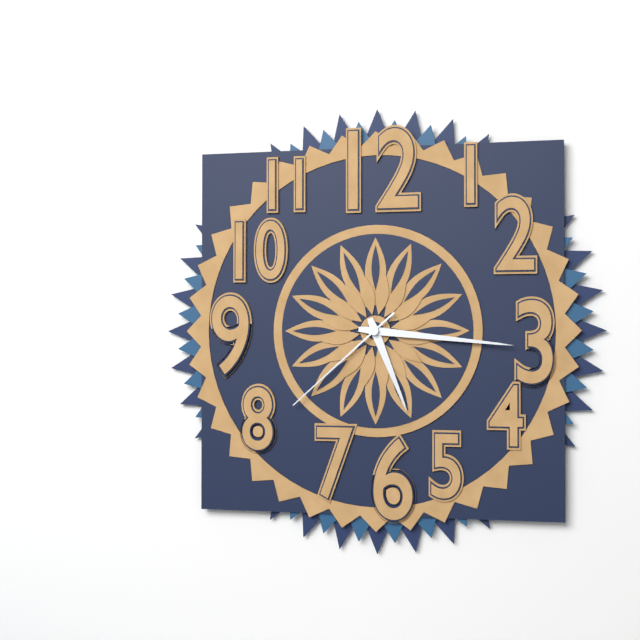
5:16:38
